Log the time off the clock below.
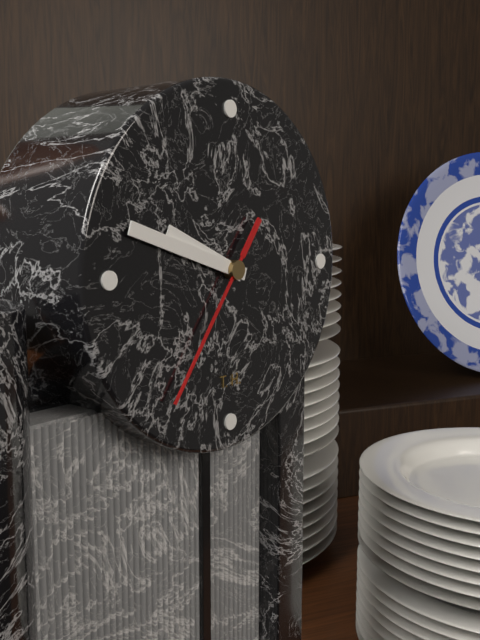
9:48:36
